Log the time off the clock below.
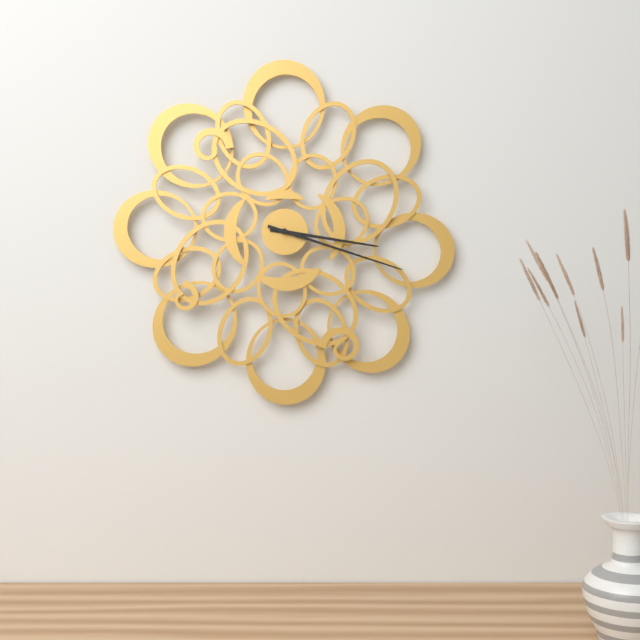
3:18
